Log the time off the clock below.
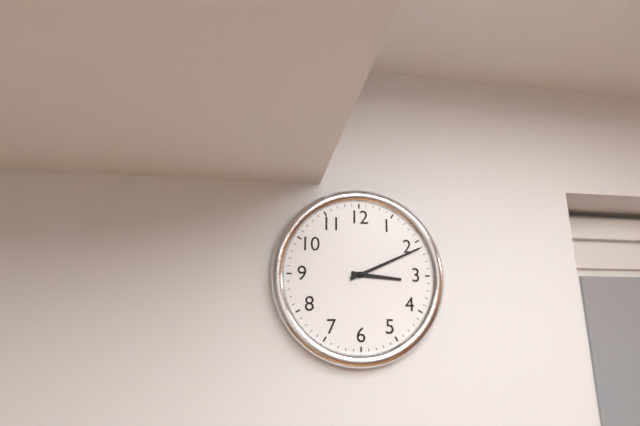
3:11
